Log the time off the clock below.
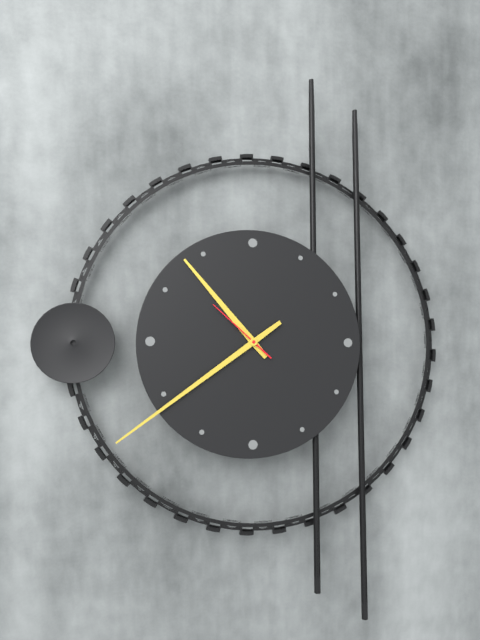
10:39:52
